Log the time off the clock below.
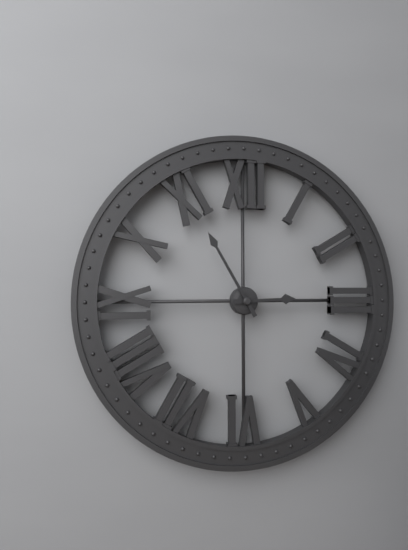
2:55
